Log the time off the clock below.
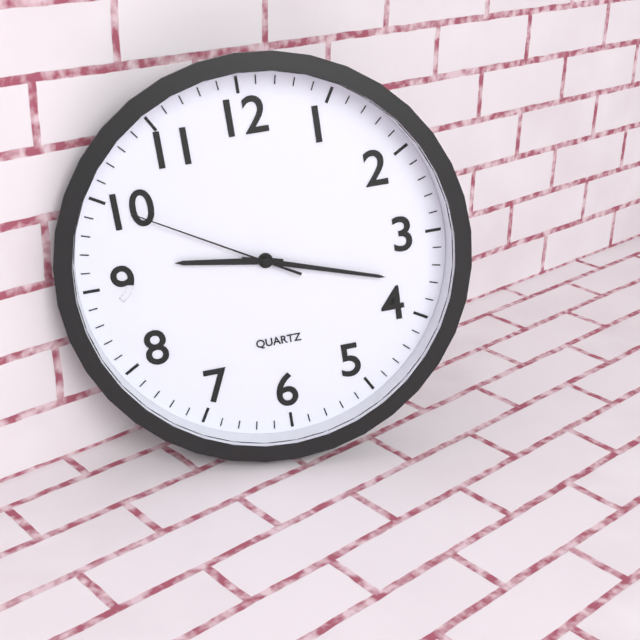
9:18:50
